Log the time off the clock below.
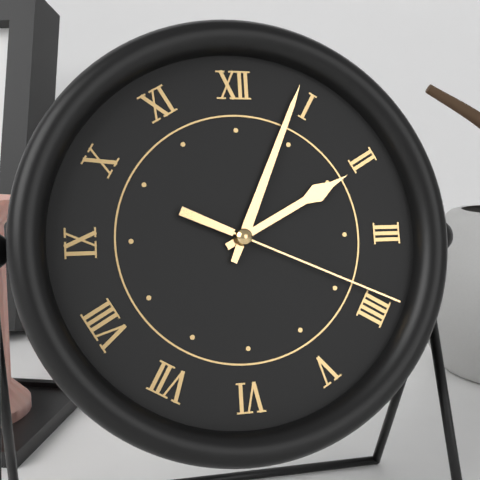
2:04:19
